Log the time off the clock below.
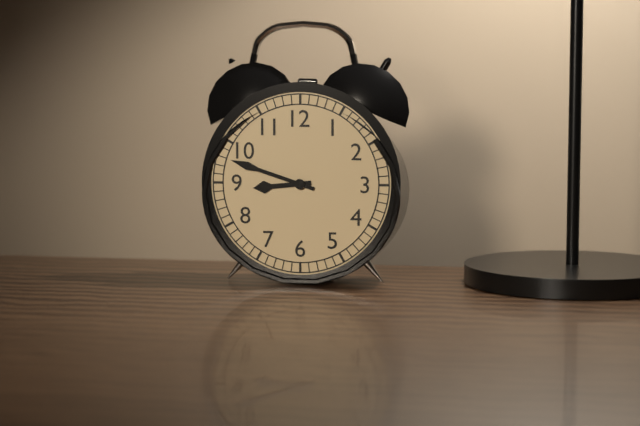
8:48
